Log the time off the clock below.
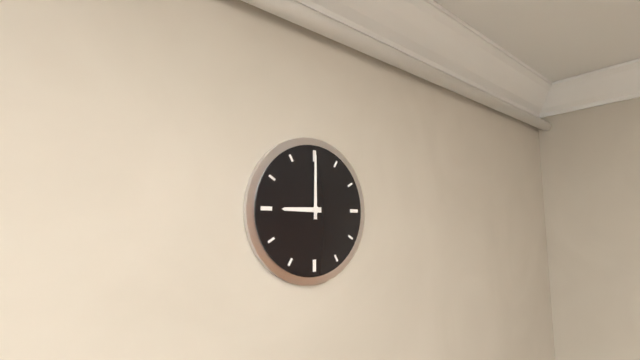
9:00
